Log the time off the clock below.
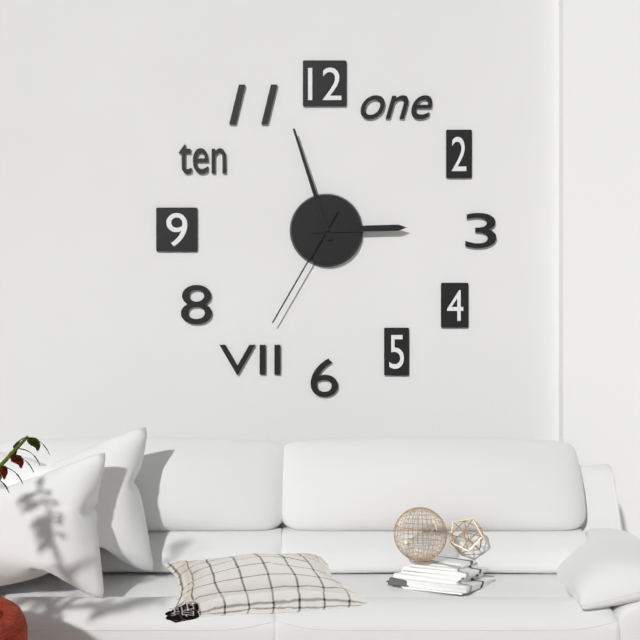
2:57:35
